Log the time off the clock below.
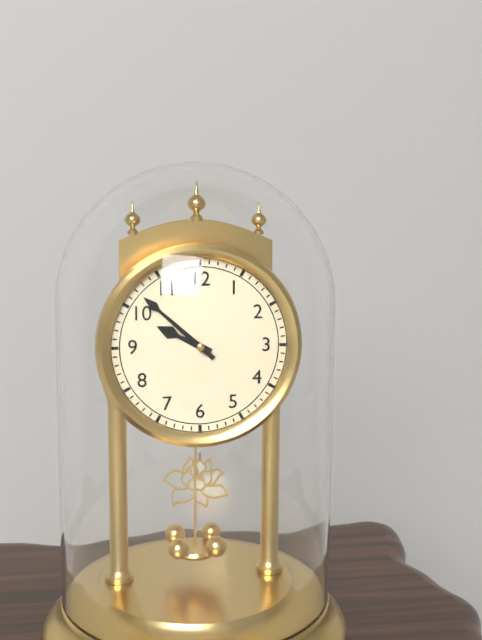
9:52
